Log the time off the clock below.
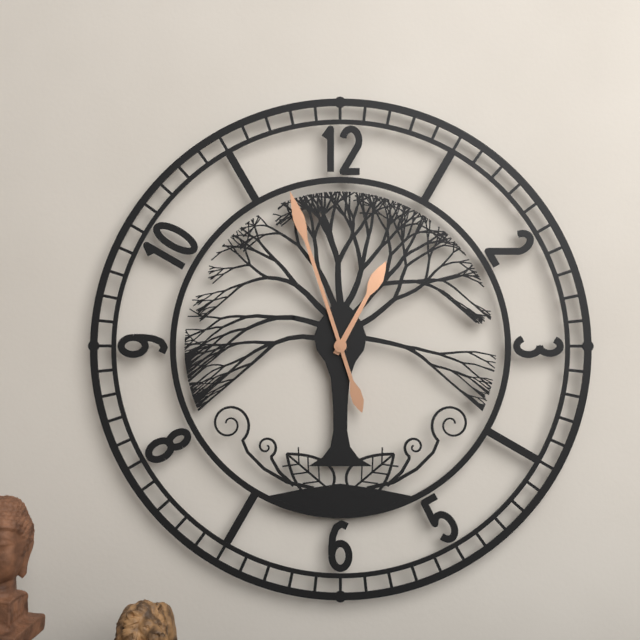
12:57
